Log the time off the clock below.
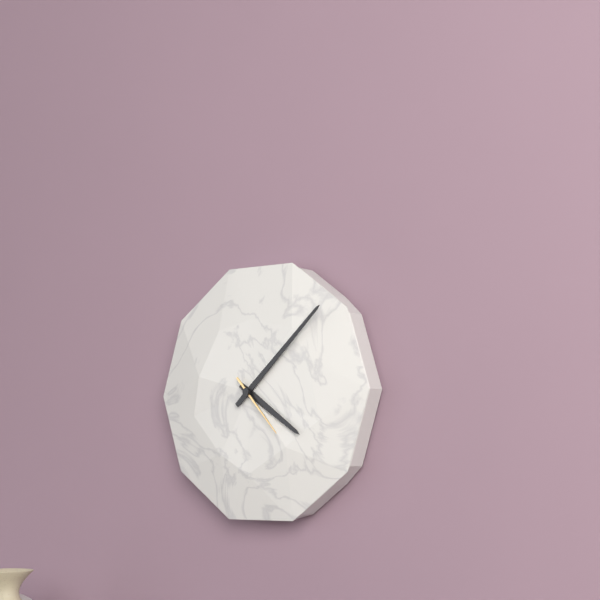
4:08:23
